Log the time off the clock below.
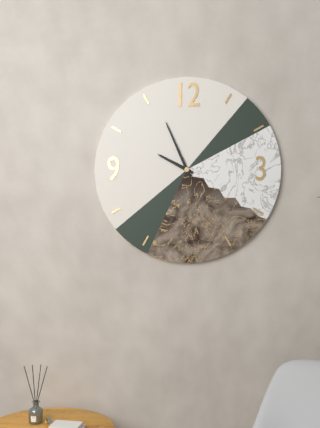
9:56
